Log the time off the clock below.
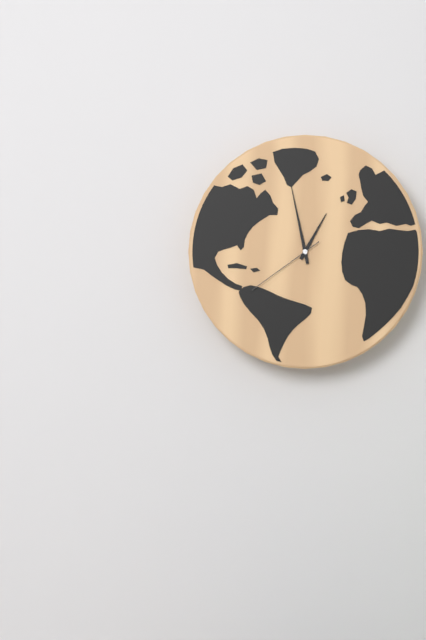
12:58:39
